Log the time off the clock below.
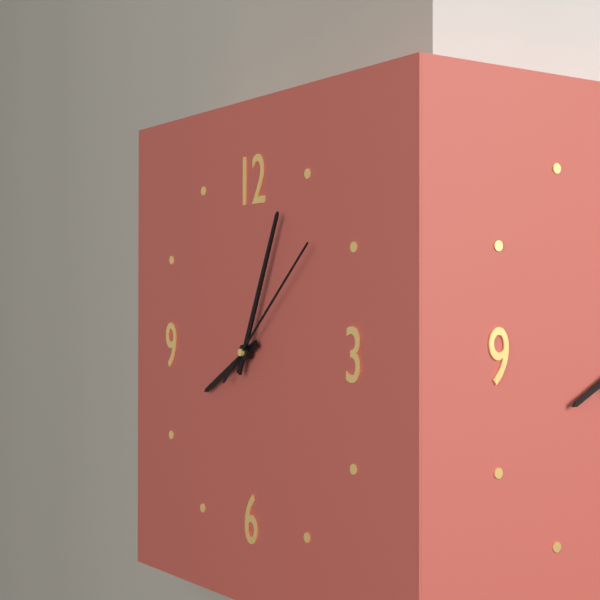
8:04:08
